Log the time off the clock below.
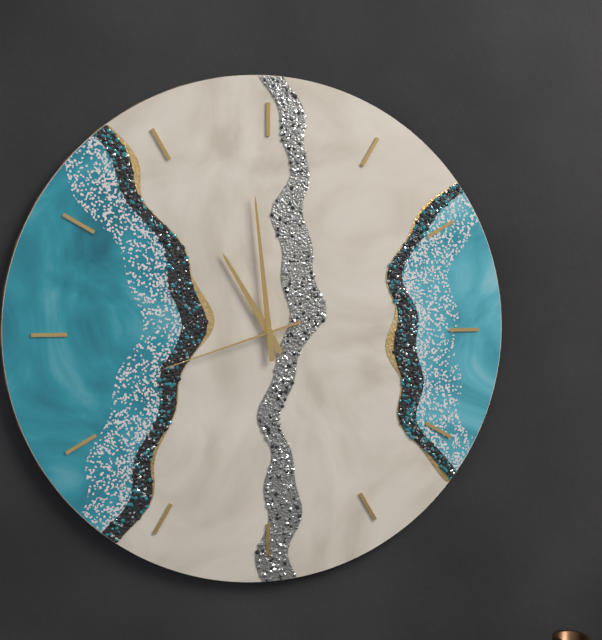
10:59:42
